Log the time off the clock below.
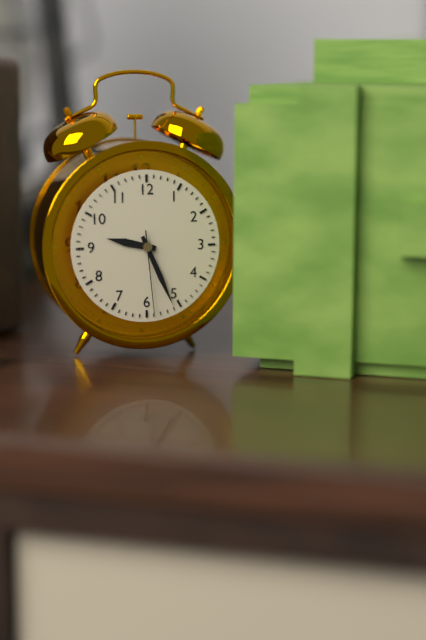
9:26:29
